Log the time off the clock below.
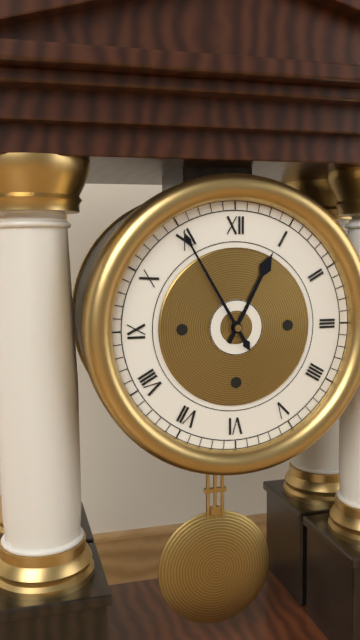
12:55
